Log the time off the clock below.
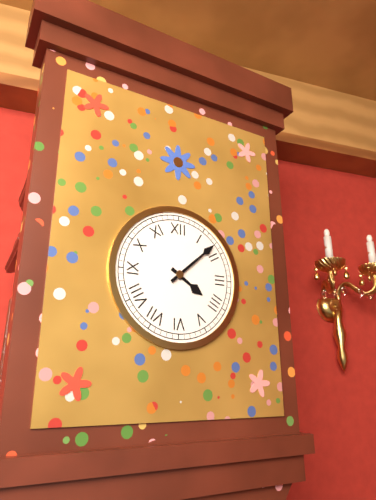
4:08
